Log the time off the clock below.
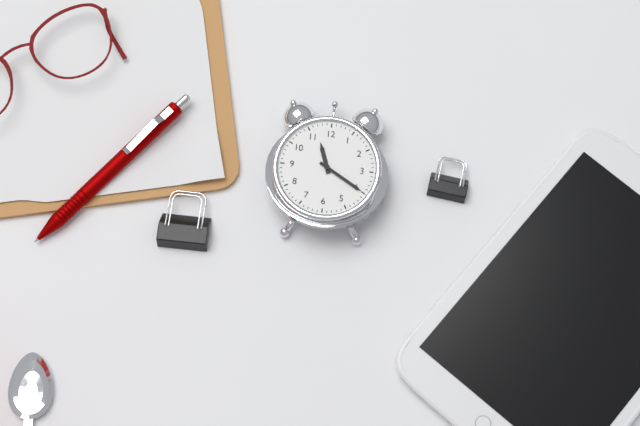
11:20
